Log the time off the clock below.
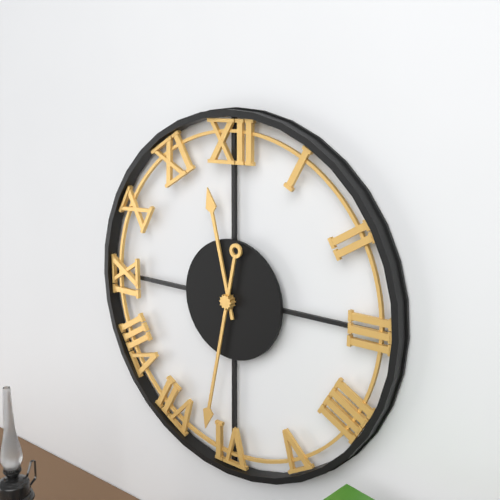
11:32
